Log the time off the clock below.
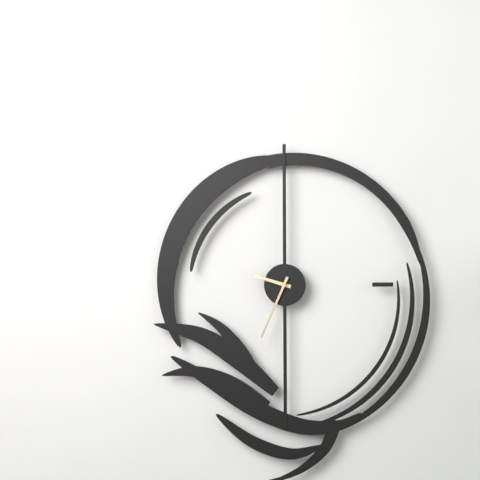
9:34
